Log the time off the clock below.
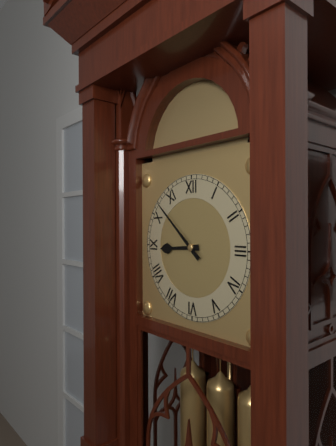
8:52
